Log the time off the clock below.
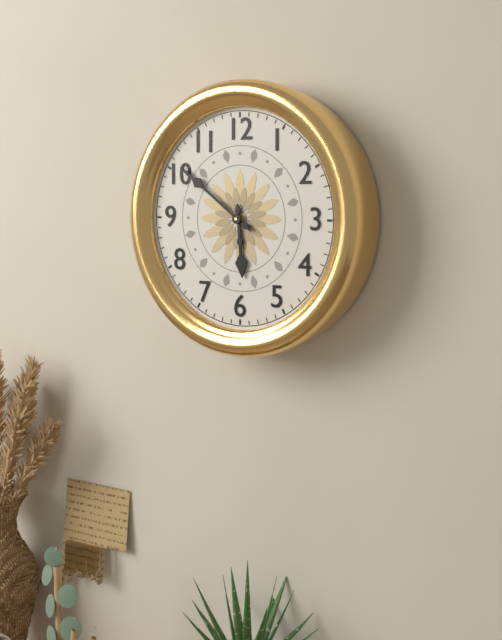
5:51
